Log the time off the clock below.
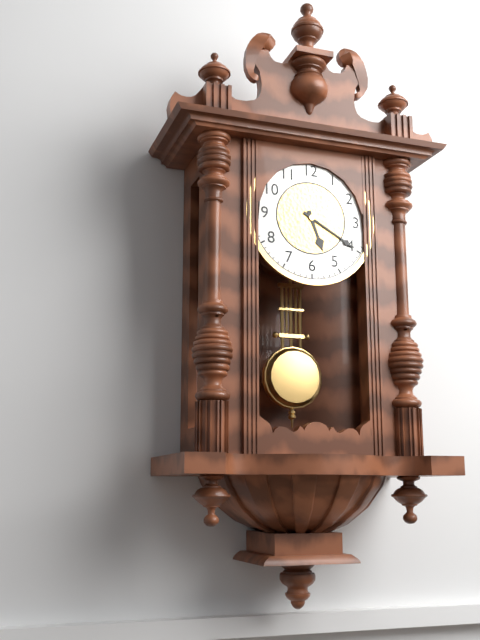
5:20
